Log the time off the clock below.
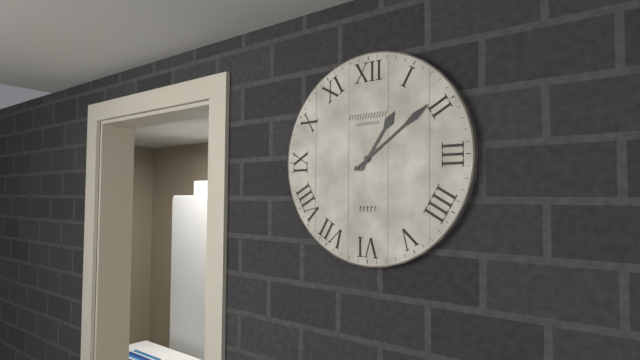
1:09
